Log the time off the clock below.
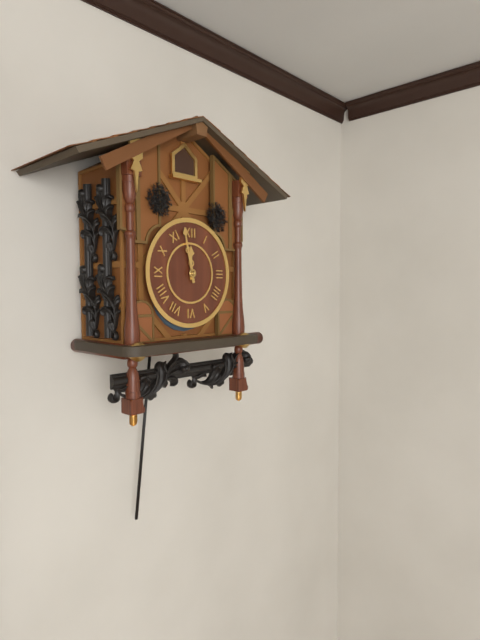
11:58
